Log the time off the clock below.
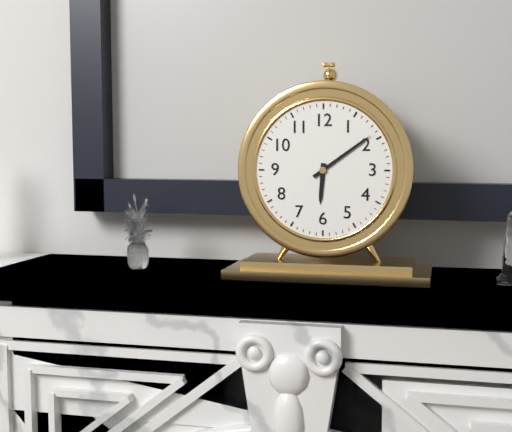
6:09
